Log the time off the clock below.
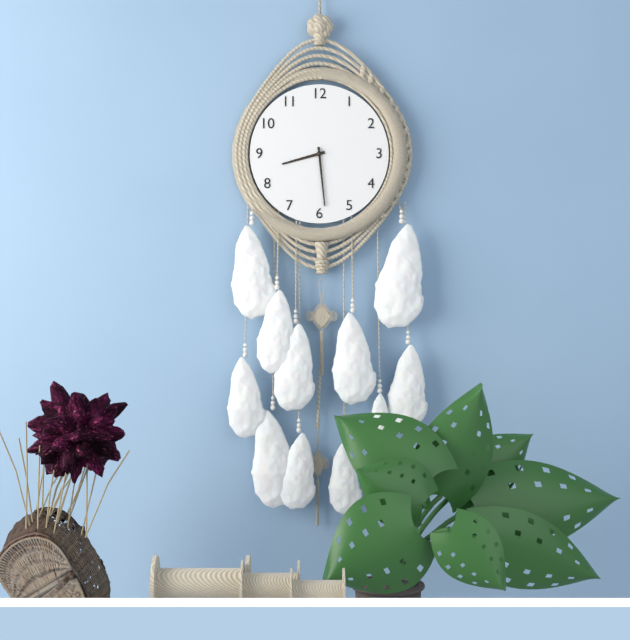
8:29
